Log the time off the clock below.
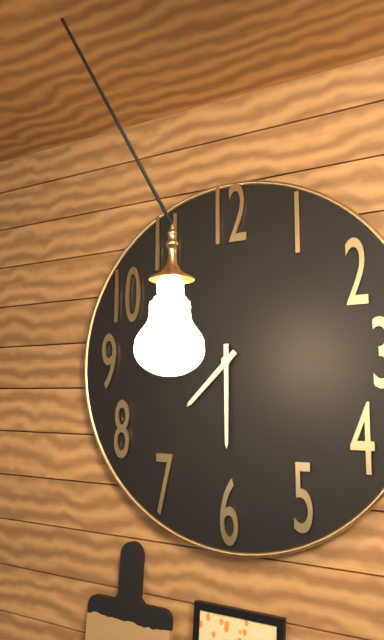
7:30
